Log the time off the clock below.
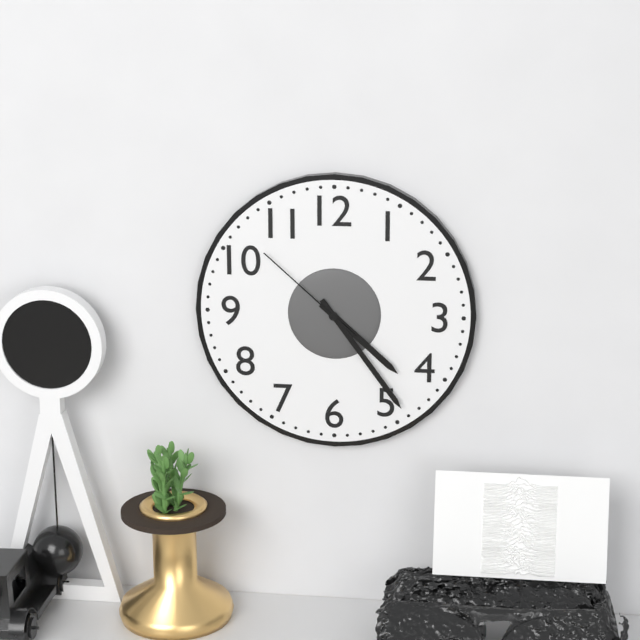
4:24:52
